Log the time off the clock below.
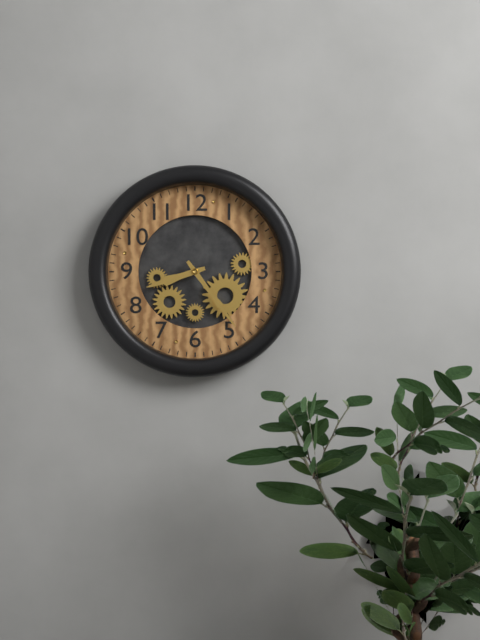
8:24
